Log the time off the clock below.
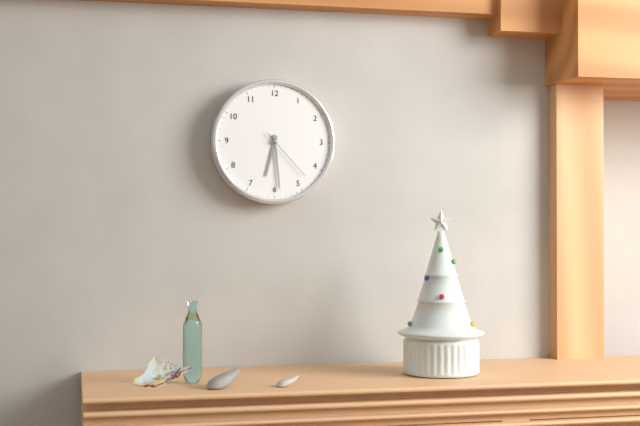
6:29:23
